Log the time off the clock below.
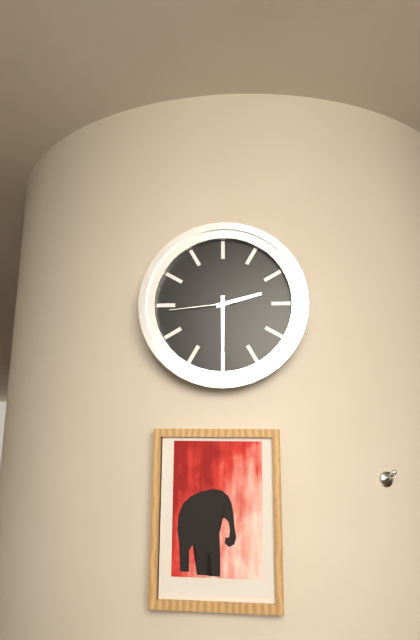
2:30:44
